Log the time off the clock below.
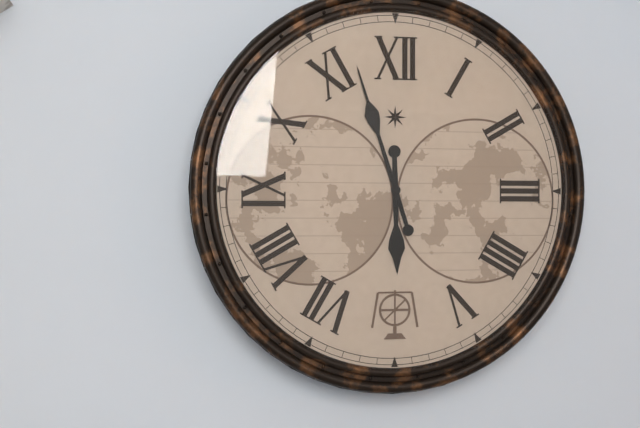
5:57
